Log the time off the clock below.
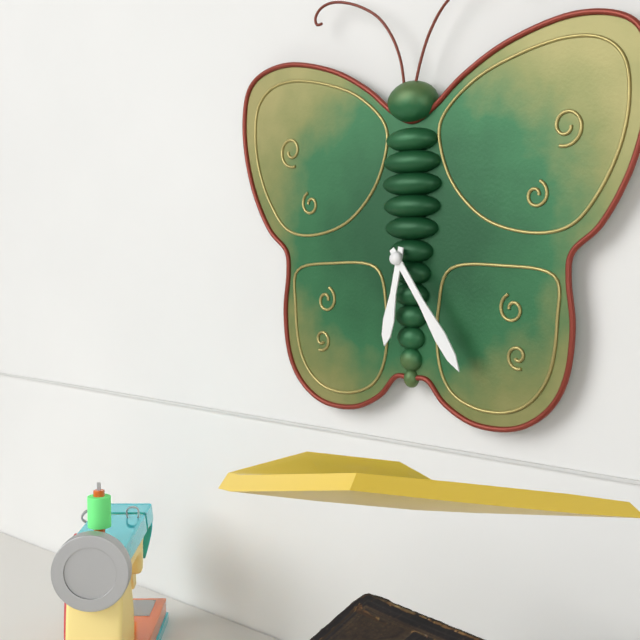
6:24
